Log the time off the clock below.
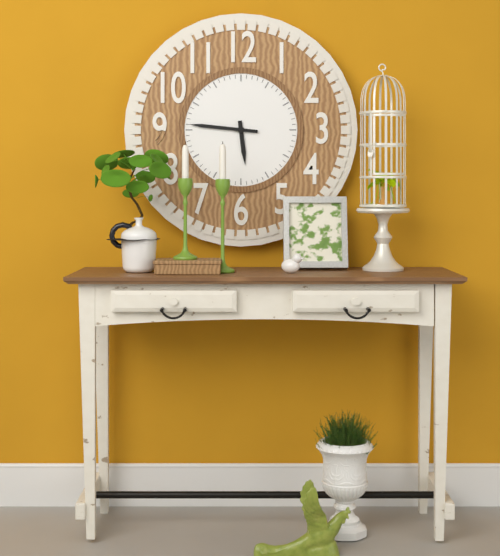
5:46
